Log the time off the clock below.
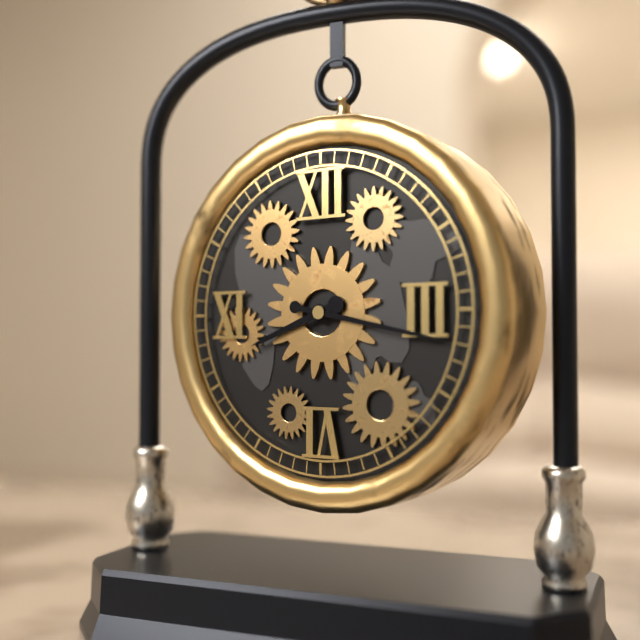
8:17
